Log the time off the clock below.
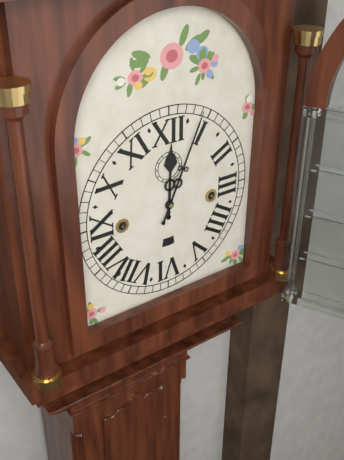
12:04
